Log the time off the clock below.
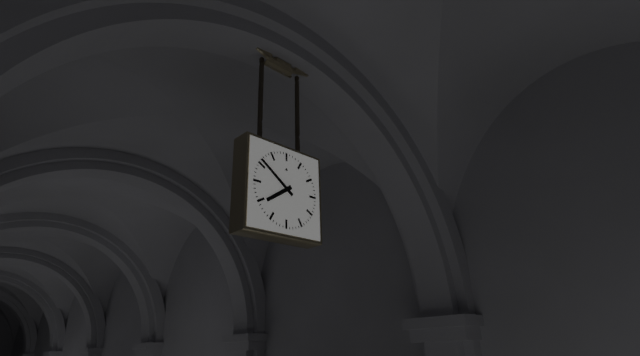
7:51
